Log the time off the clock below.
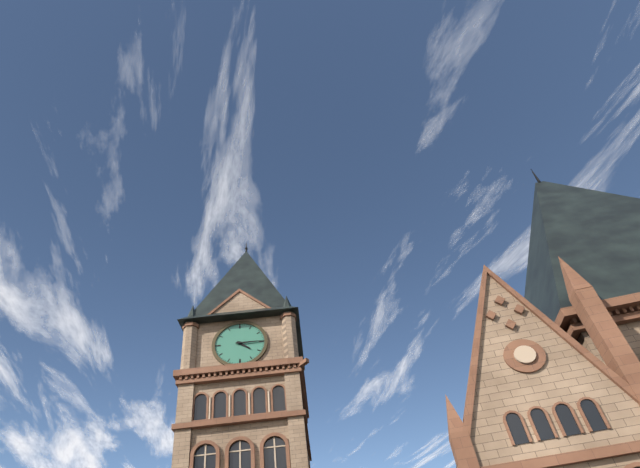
4:15
